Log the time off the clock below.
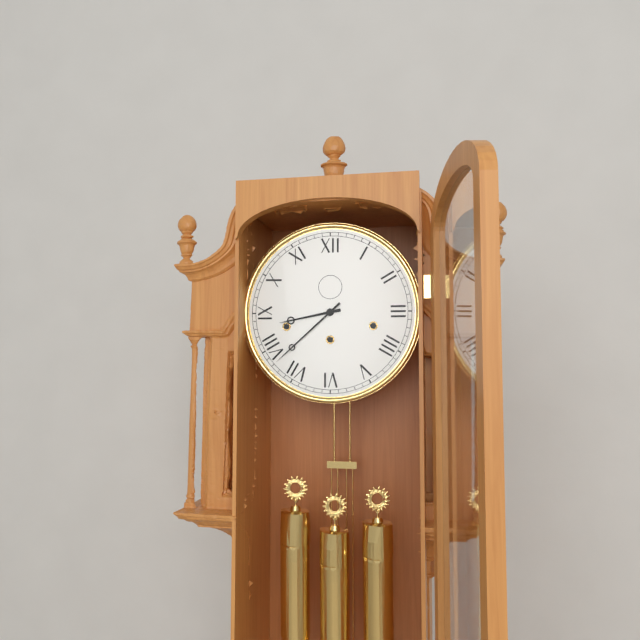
8:38
